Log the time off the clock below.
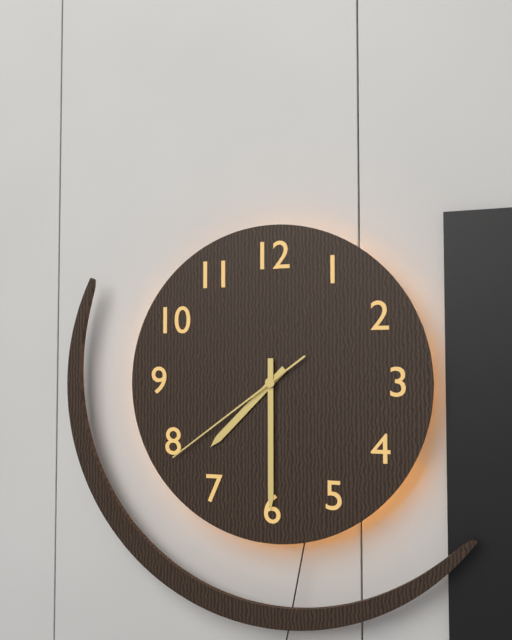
7:30:39
